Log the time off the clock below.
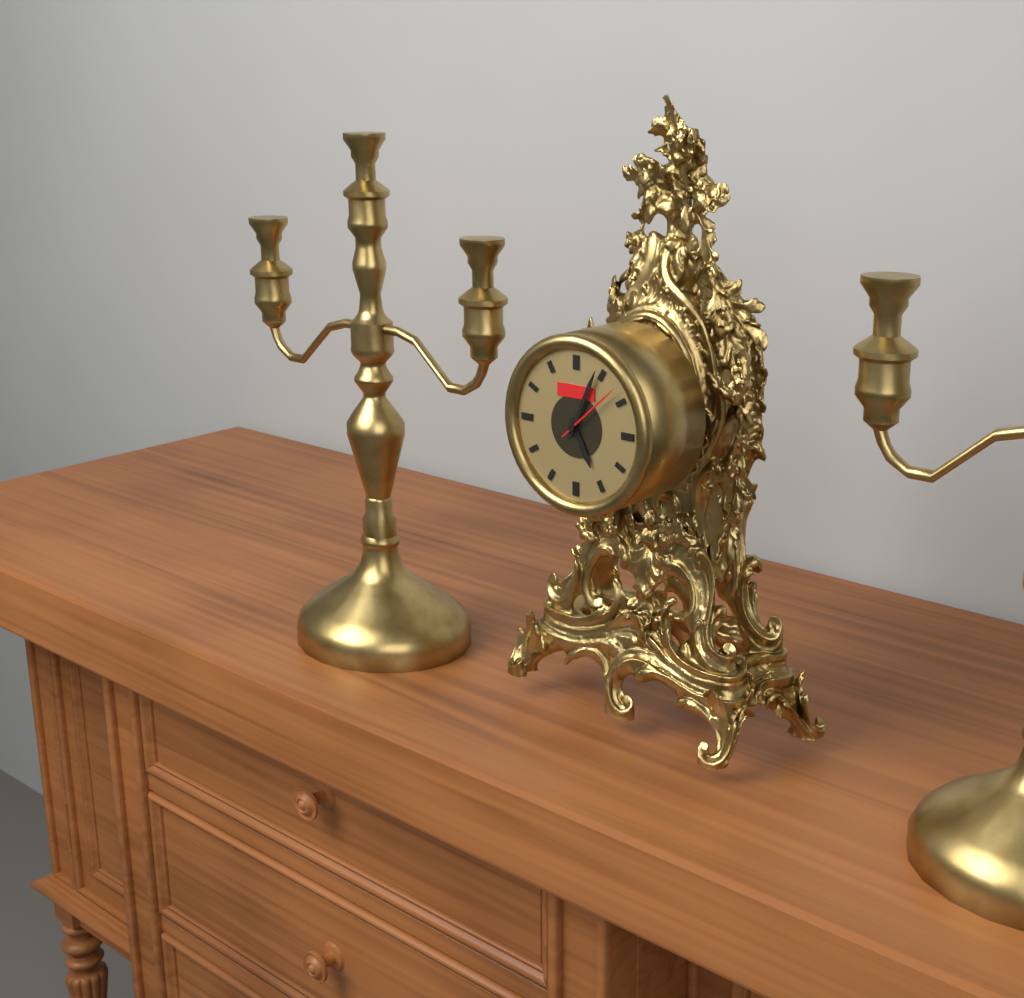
5:04:08
